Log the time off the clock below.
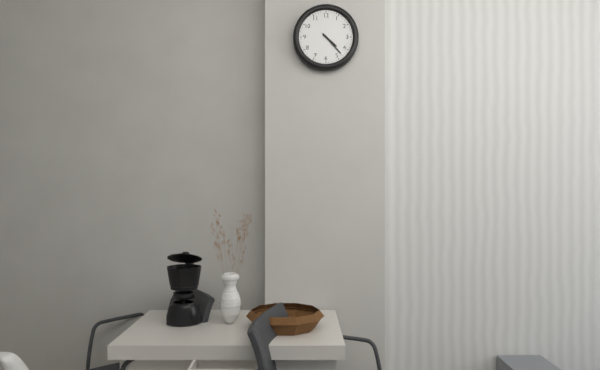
4:23
